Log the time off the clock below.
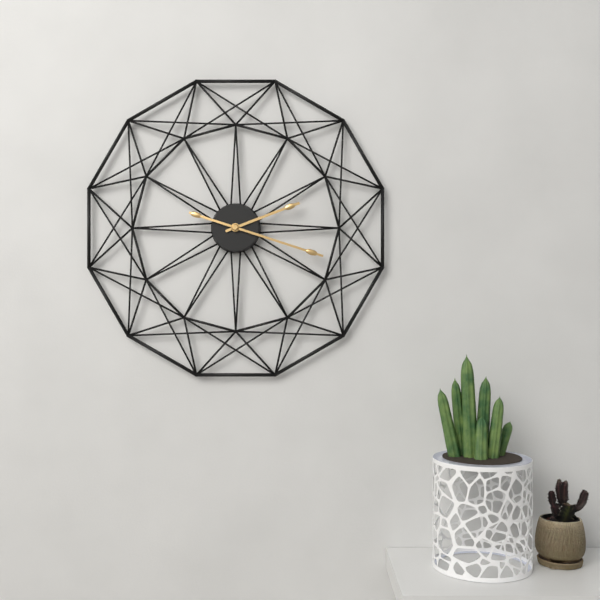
2:18
